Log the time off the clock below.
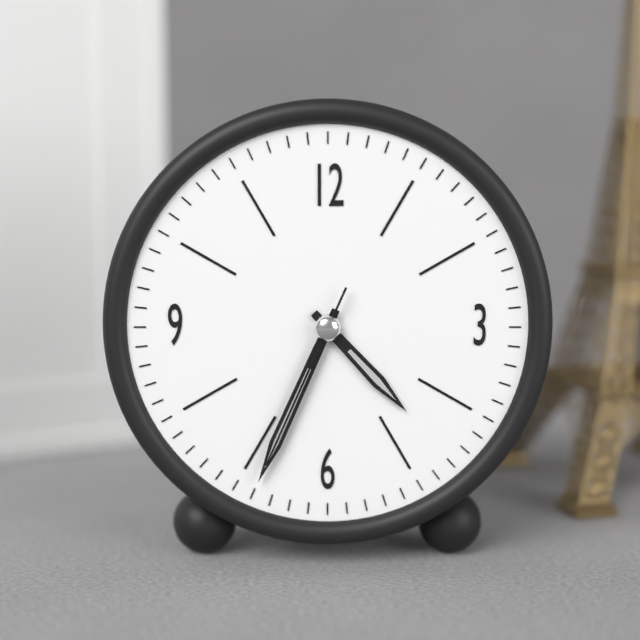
4:34:34
